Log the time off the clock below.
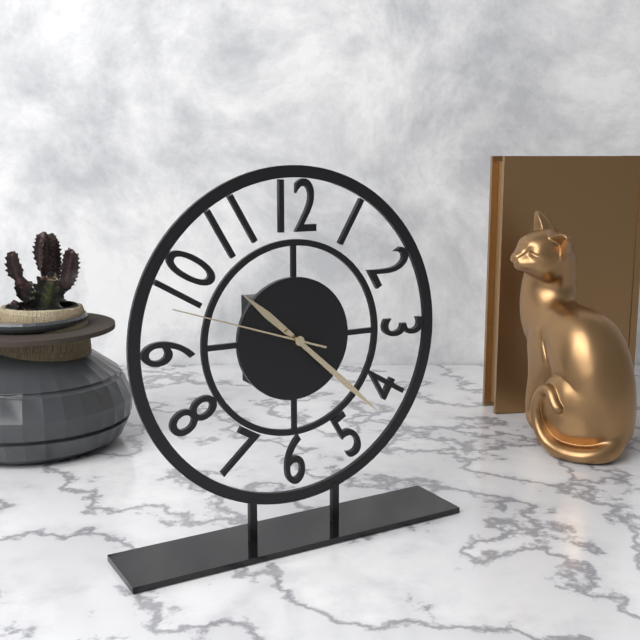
10:22:48
